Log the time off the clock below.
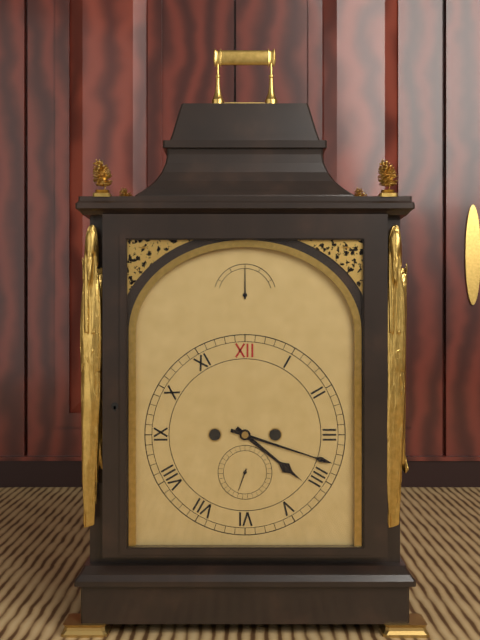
4:18
